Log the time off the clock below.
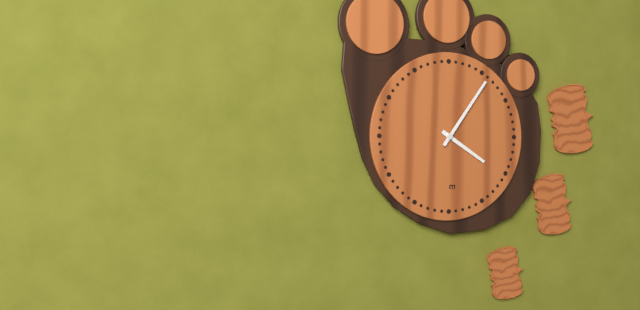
4:06
